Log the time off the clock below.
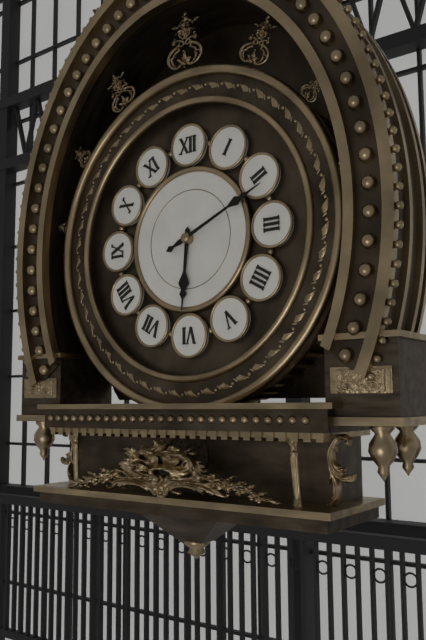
6:11
